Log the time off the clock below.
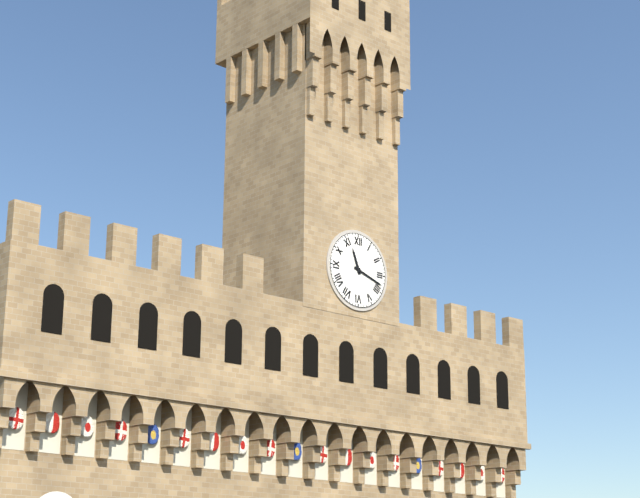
11:18
